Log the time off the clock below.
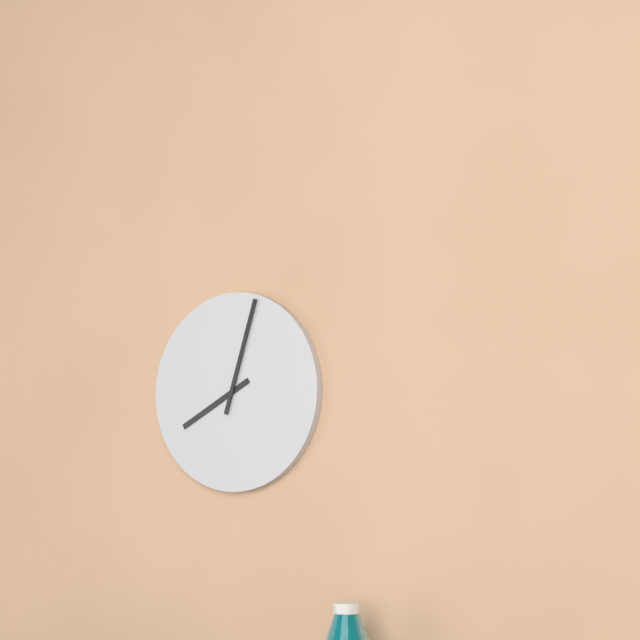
8:03
